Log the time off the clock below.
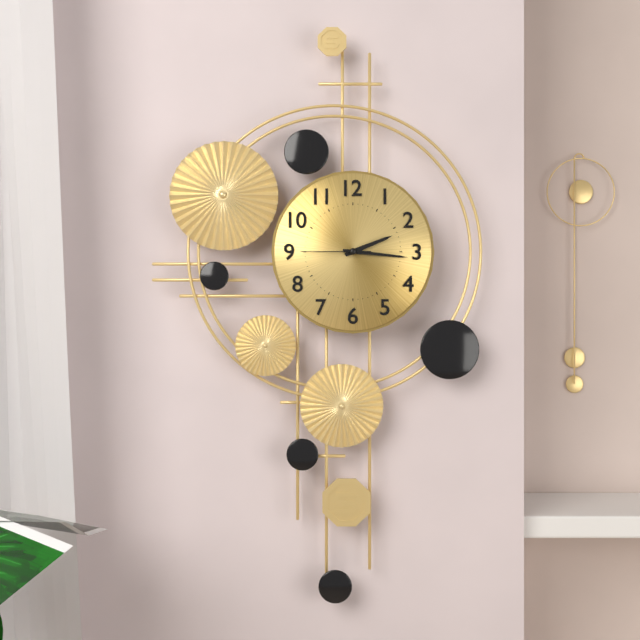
2:16:45
